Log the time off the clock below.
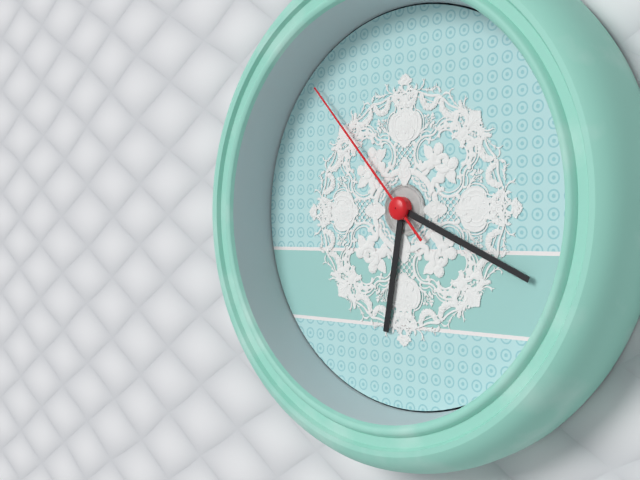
6:19:53
